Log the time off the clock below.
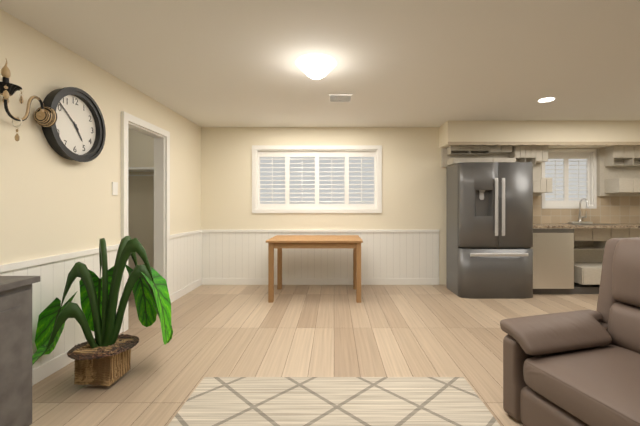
4:52
